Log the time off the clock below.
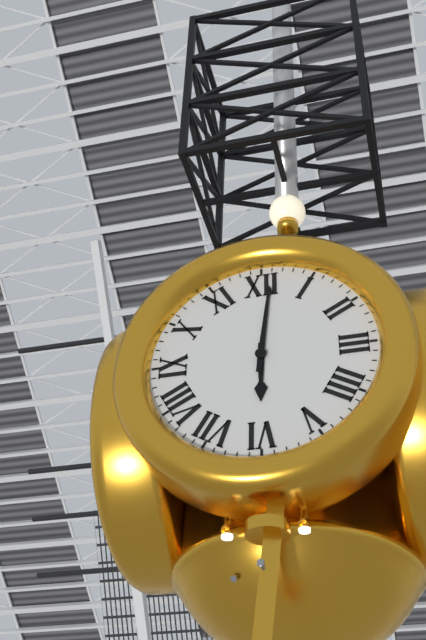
6:01
